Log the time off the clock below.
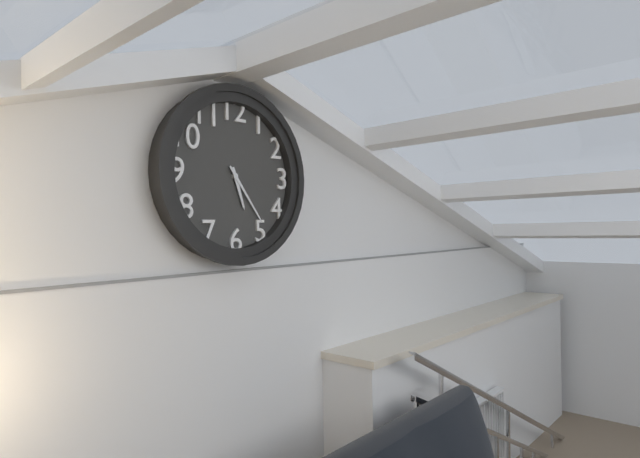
5:24
